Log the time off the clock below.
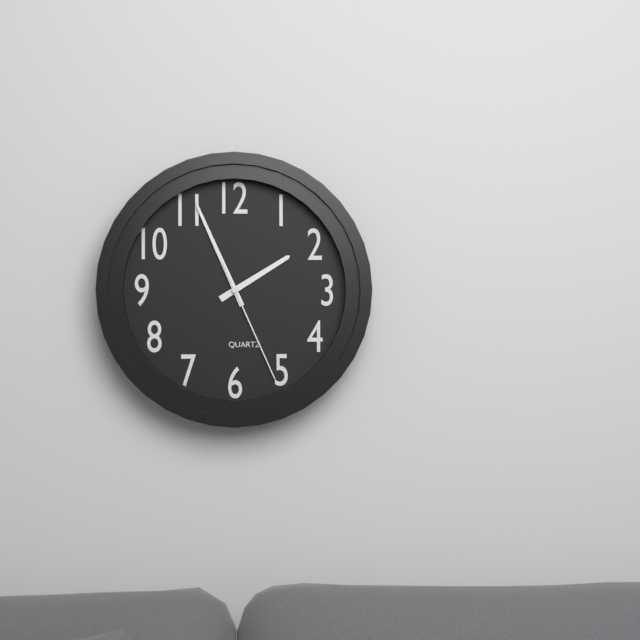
1:56:26
